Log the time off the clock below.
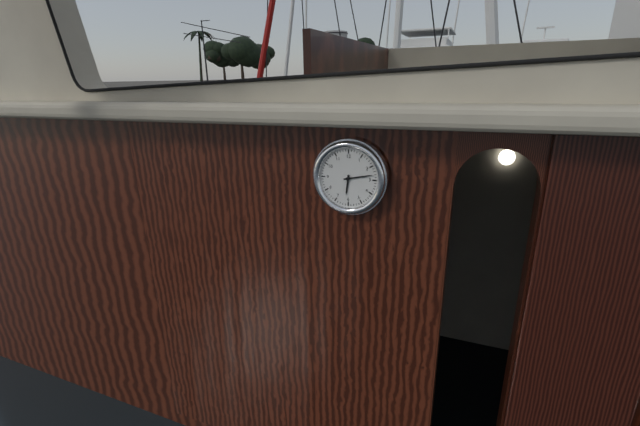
6:13
